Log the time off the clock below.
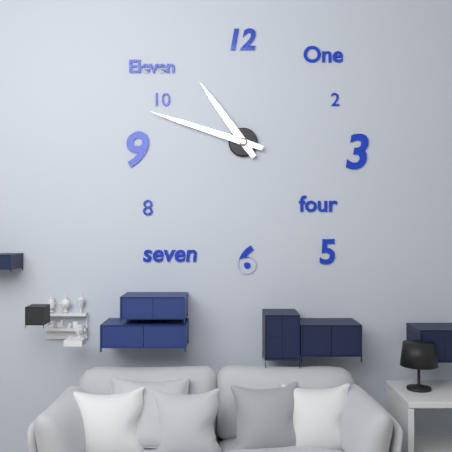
10:48
